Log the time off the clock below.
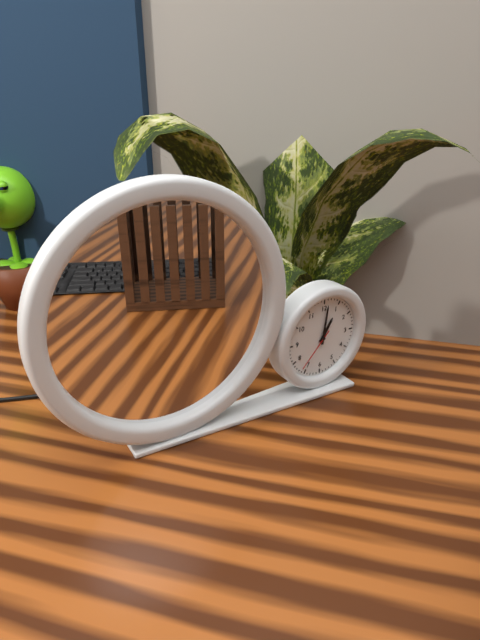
1:01
